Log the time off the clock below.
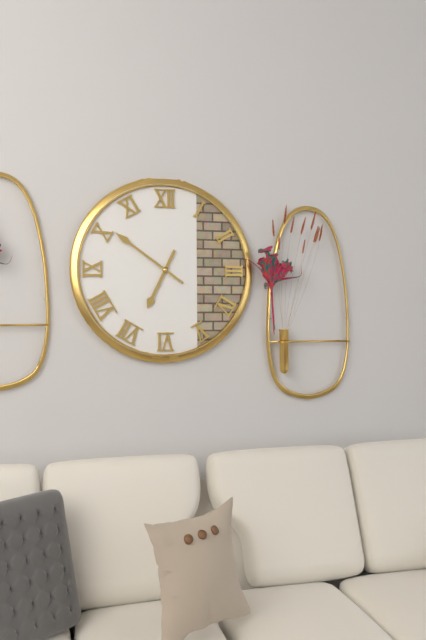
6:51
